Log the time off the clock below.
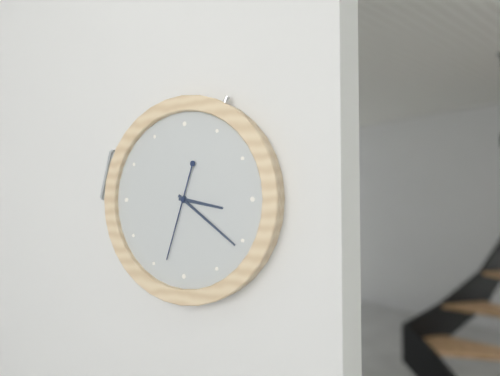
3:21:33
